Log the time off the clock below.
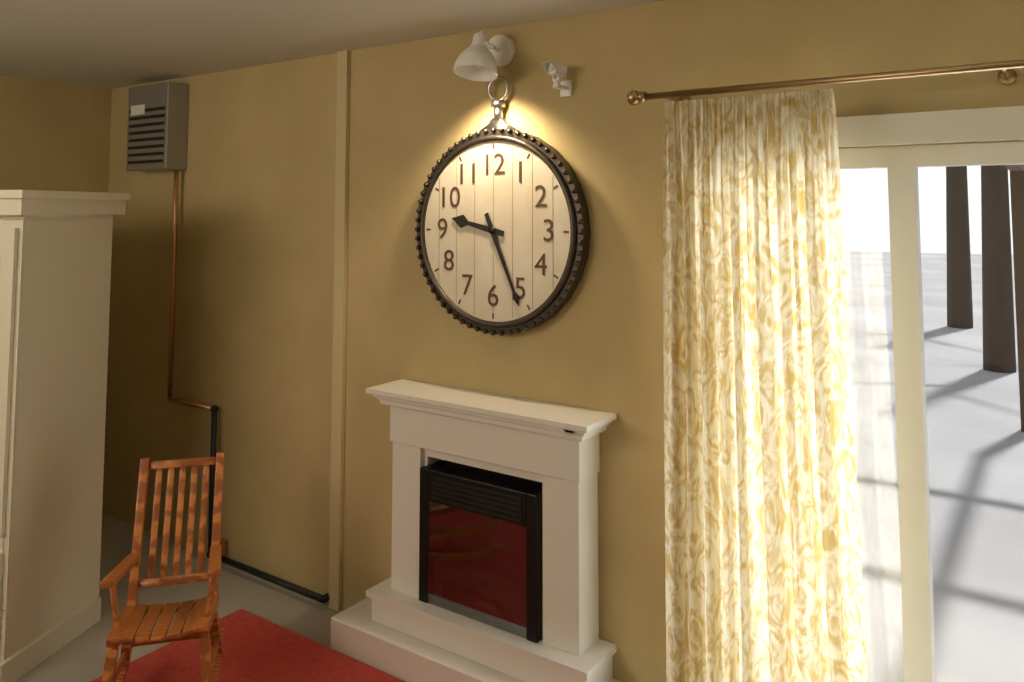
9:26
